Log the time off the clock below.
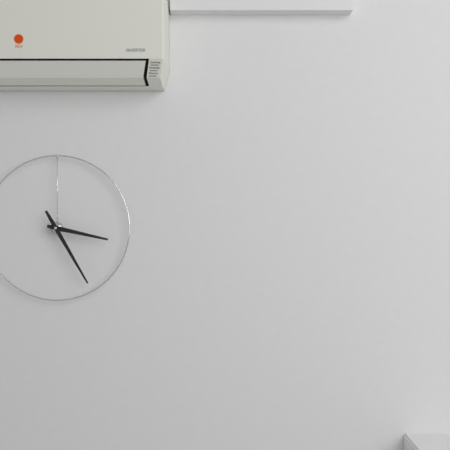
3:25
